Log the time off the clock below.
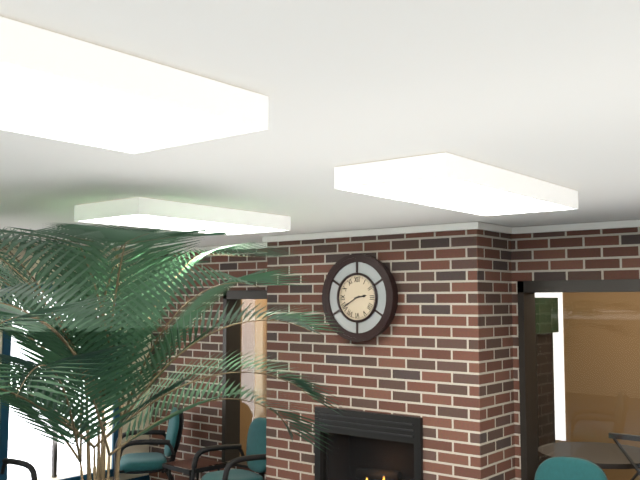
2:40
